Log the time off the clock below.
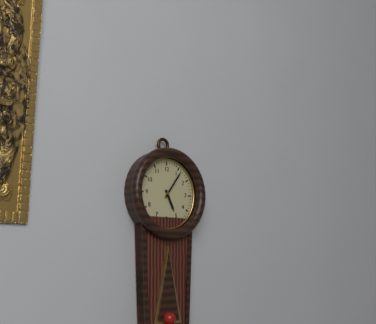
5:06
